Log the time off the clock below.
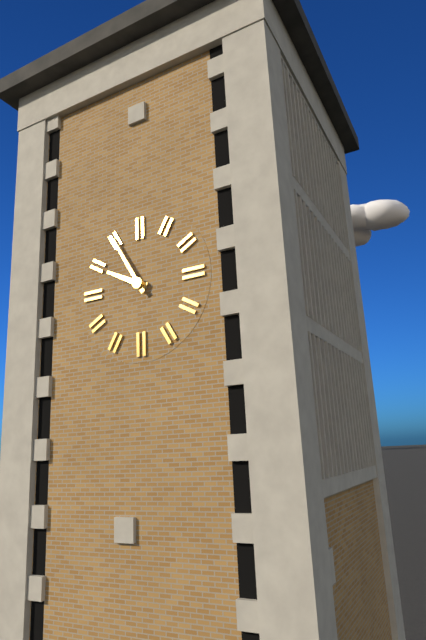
9:55
